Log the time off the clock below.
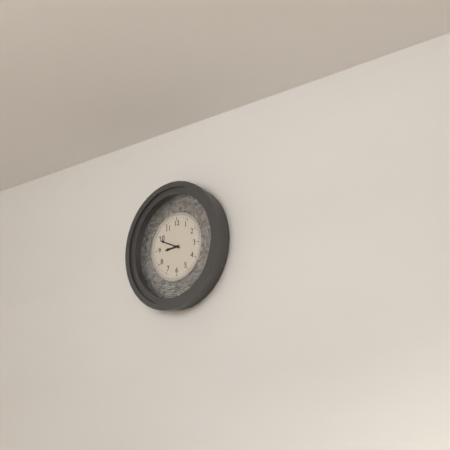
8:49
